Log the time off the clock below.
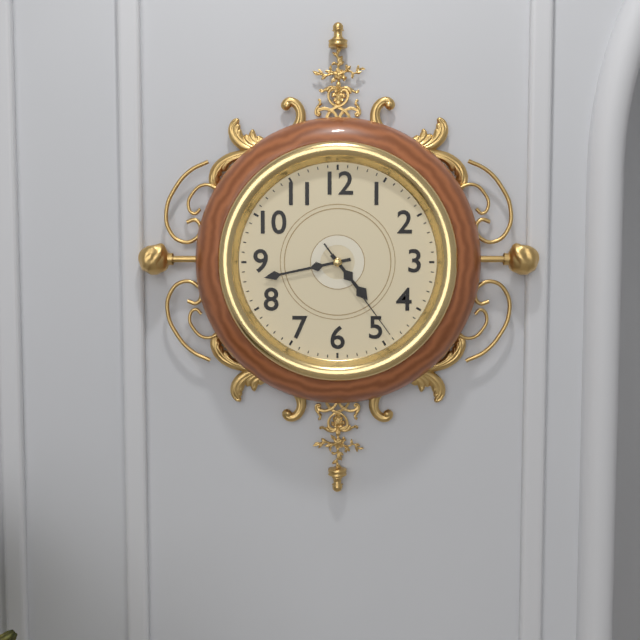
4:43:24
